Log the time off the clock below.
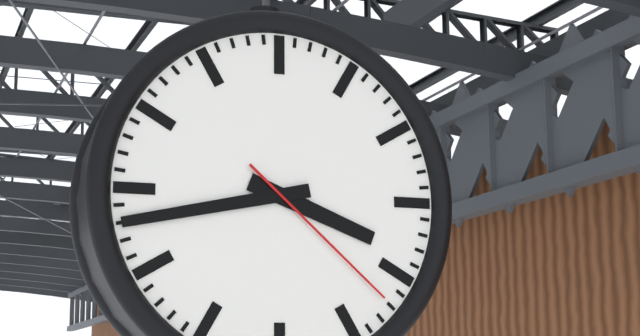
3:43:22
